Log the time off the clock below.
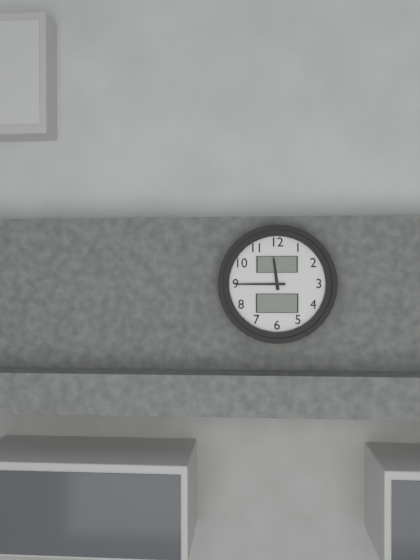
11:45
